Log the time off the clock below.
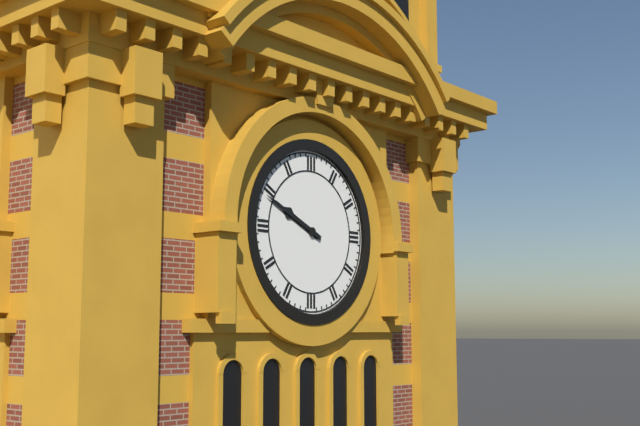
9:49
